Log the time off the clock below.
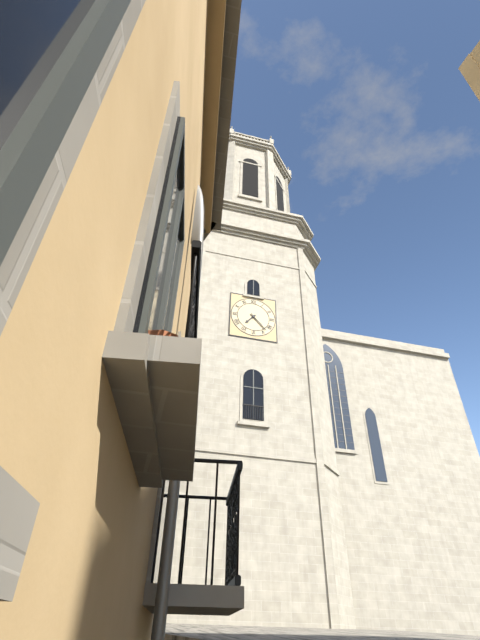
7:23
